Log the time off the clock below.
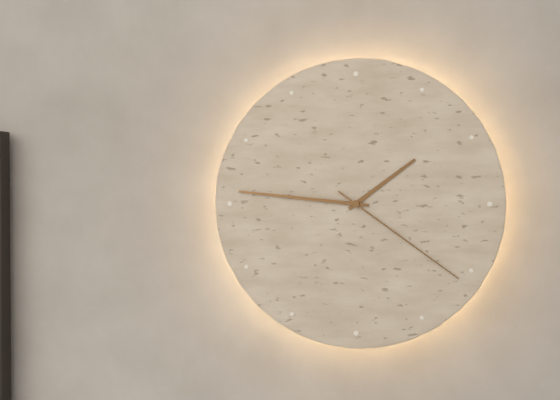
1:46:21
